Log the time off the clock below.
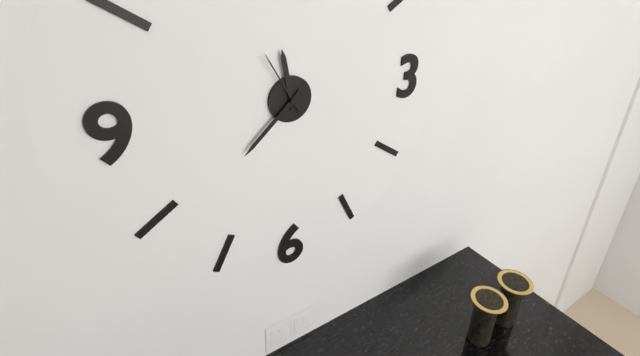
11:38:55
